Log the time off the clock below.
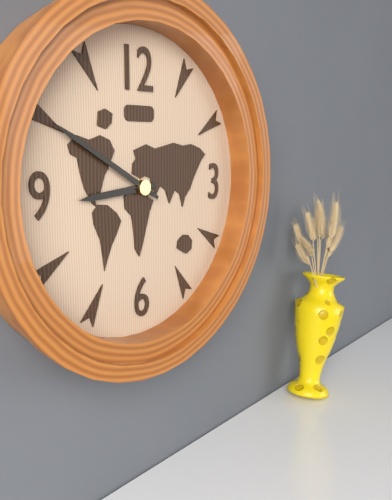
8:50
